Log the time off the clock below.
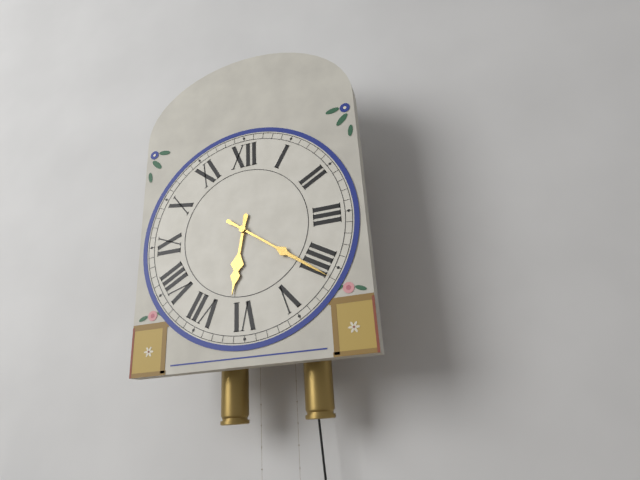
6:21
